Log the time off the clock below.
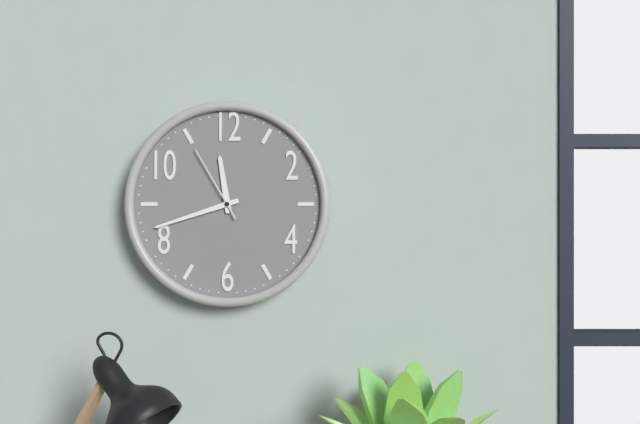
11:42:55
